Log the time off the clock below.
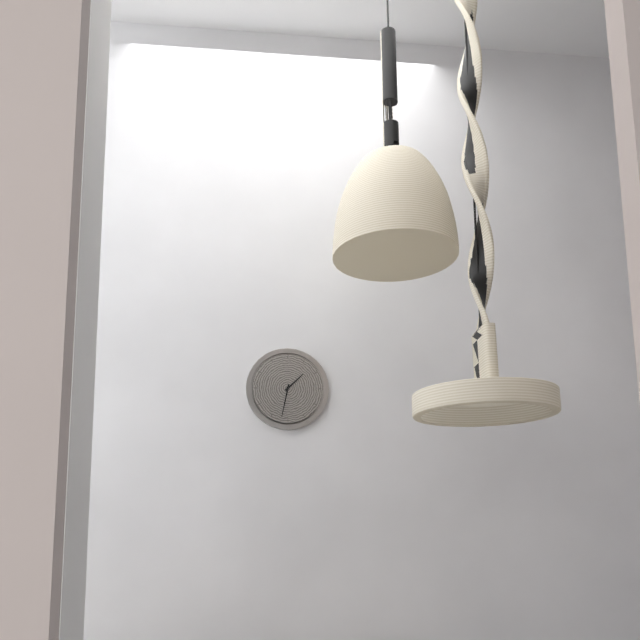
1:32
